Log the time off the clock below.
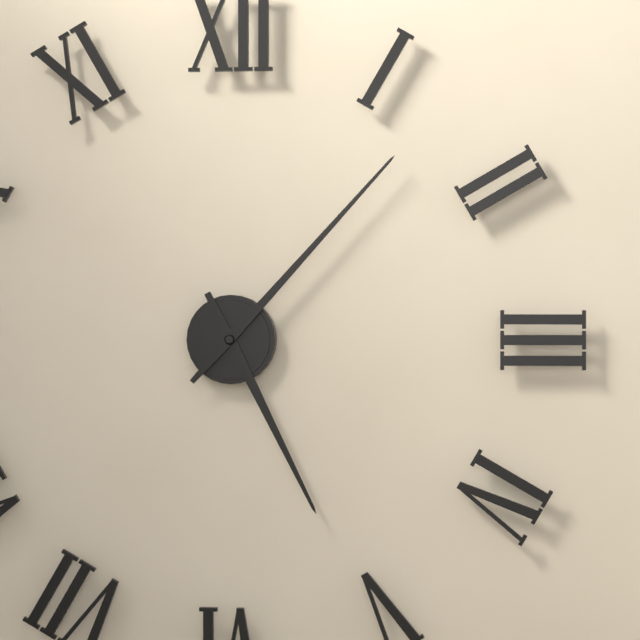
5:07
